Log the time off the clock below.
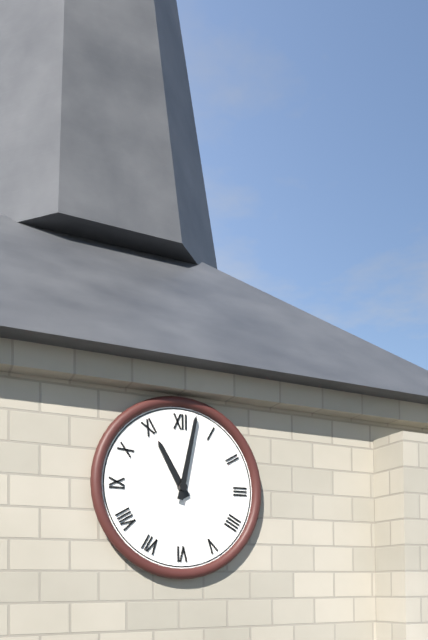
11:02
